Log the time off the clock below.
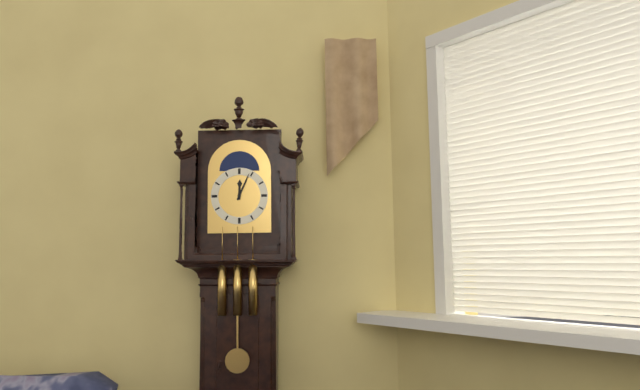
12:04
